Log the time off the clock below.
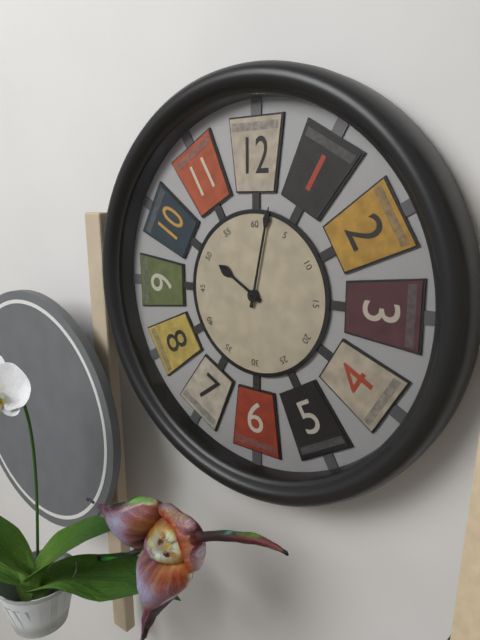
10:02
